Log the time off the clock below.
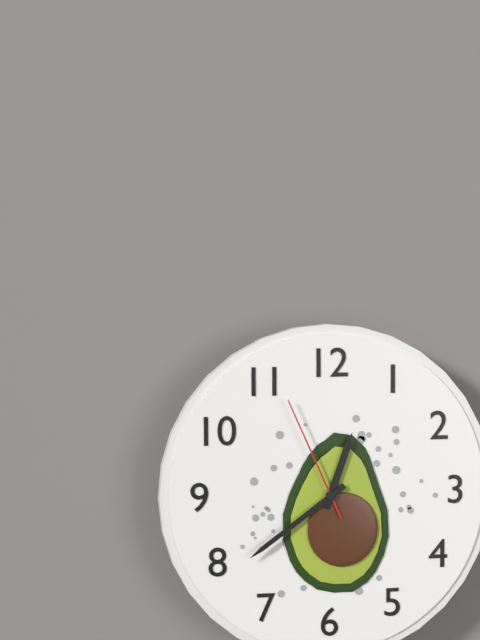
12:39:56
